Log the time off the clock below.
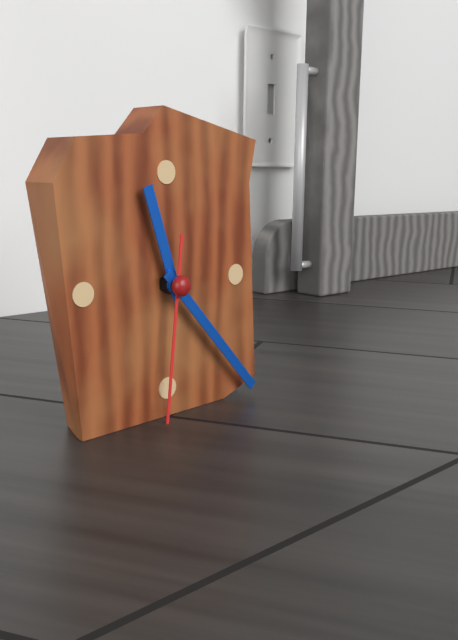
11:23:31
